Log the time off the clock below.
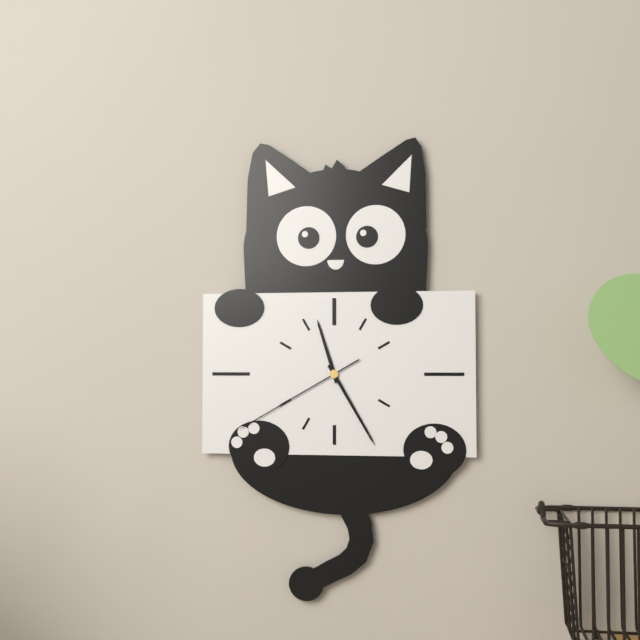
11:25:40
